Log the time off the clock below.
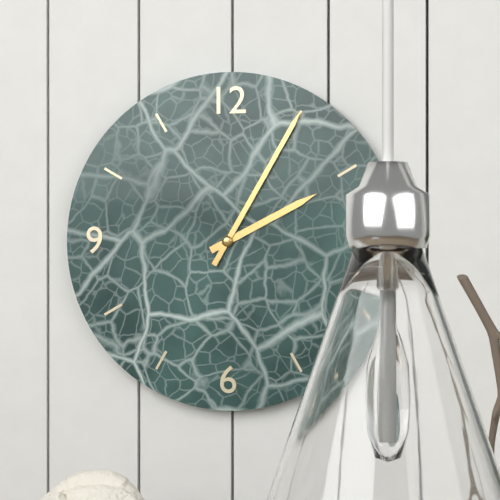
2:05
